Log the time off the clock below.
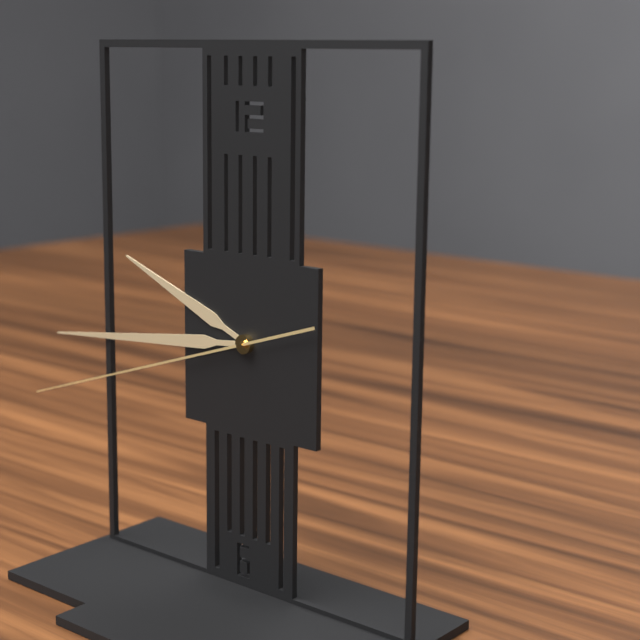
9:44:42
